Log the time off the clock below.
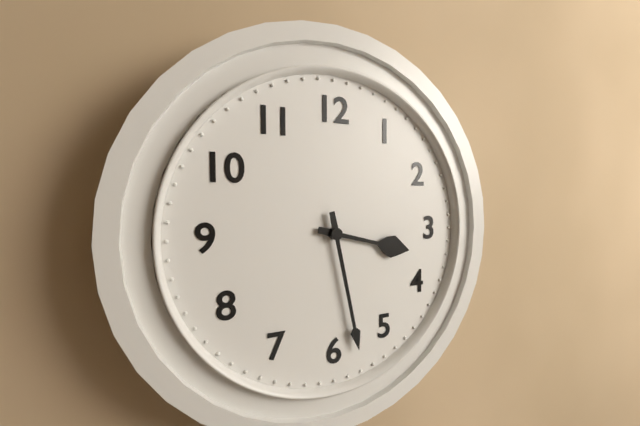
3:28
